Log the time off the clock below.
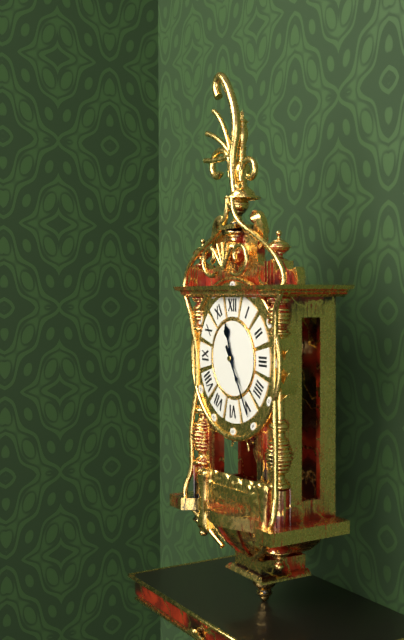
11:25
